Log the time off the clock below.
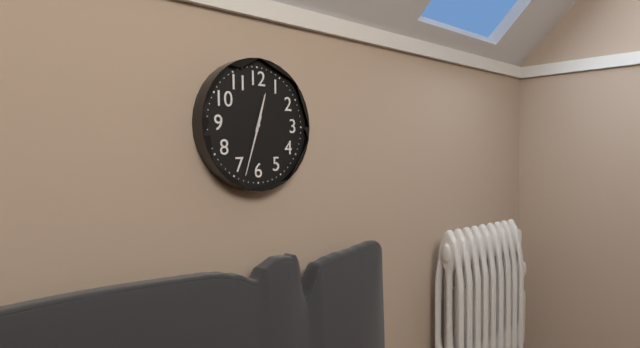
12:33
